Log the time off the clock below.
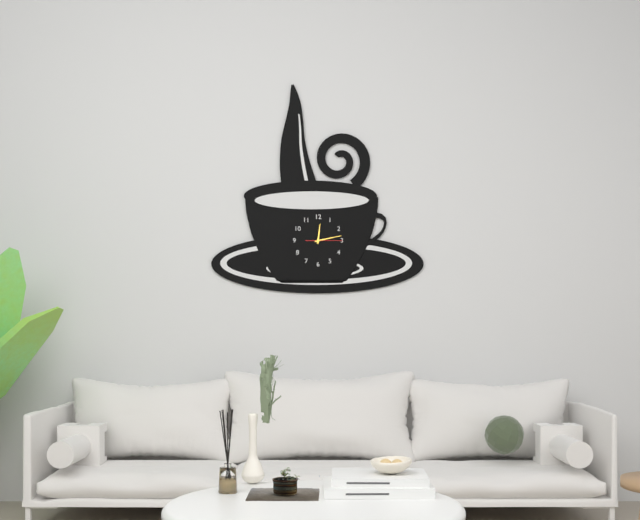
12:13
